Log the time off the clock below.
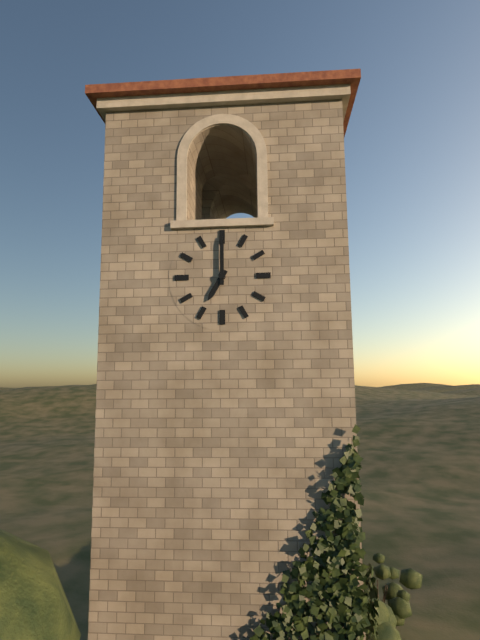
7:00
